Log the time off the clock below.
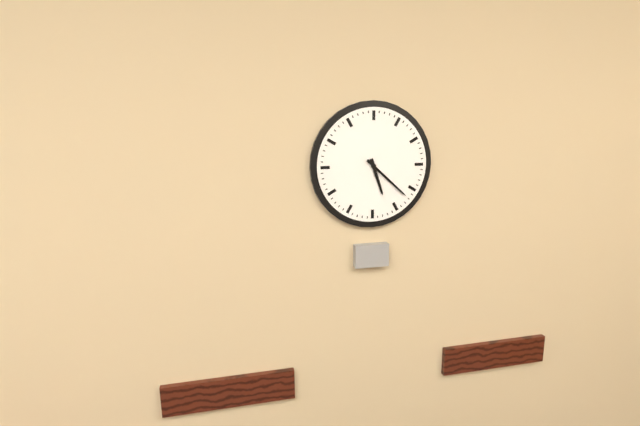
5:22
